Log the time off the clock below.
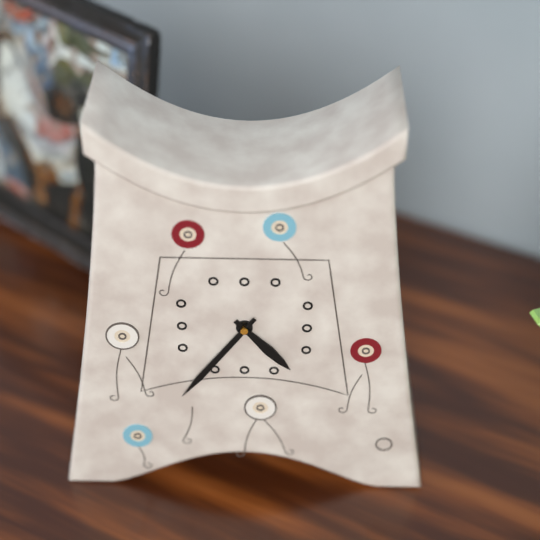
4:36
